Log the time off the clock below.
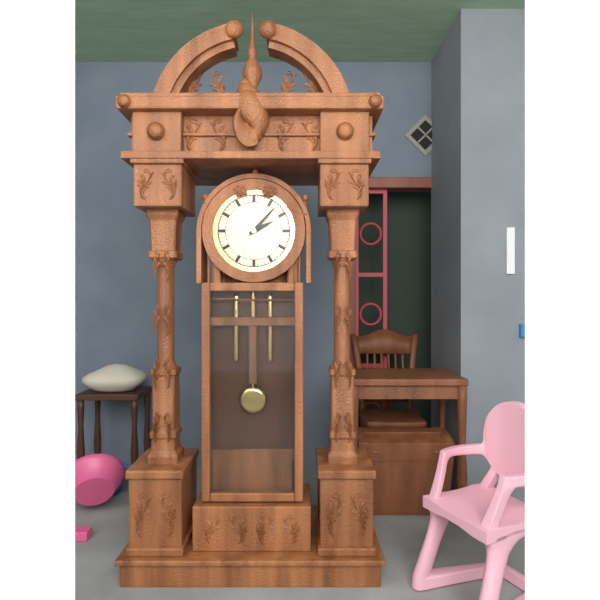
2:07
